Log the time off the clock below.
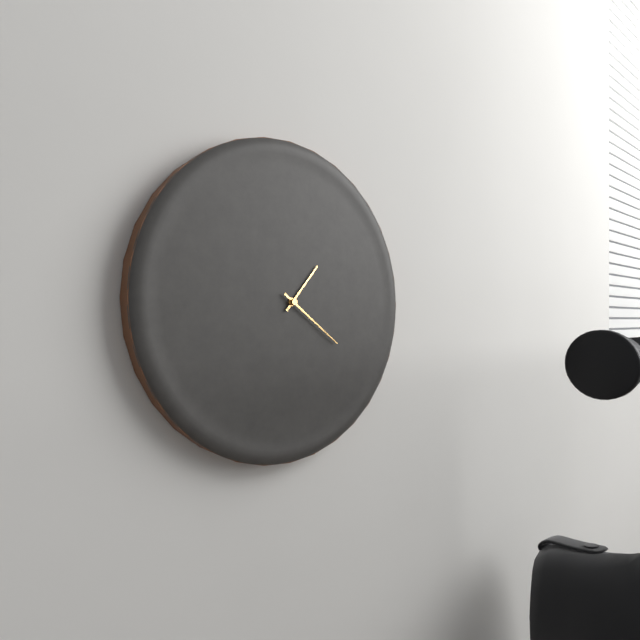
1:21
